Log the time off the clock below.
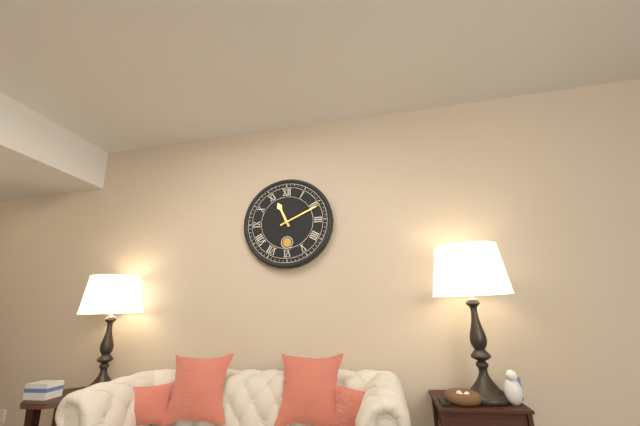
11:11
